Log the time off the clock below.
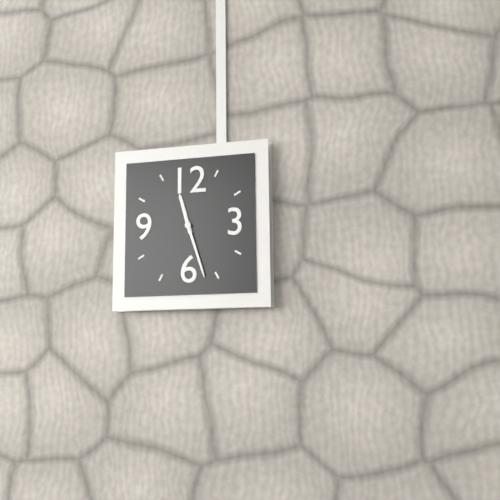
11:27
